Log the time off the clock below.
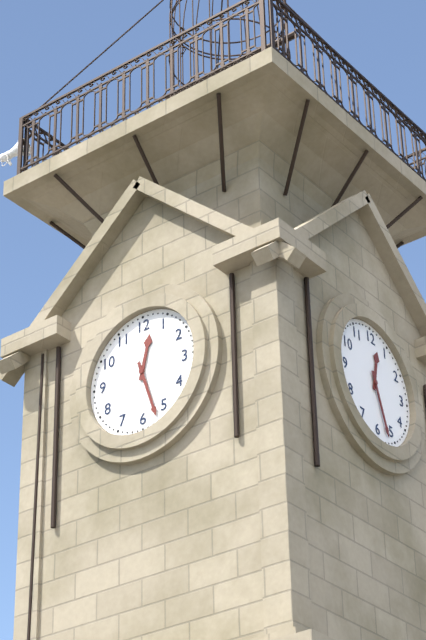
12:27
